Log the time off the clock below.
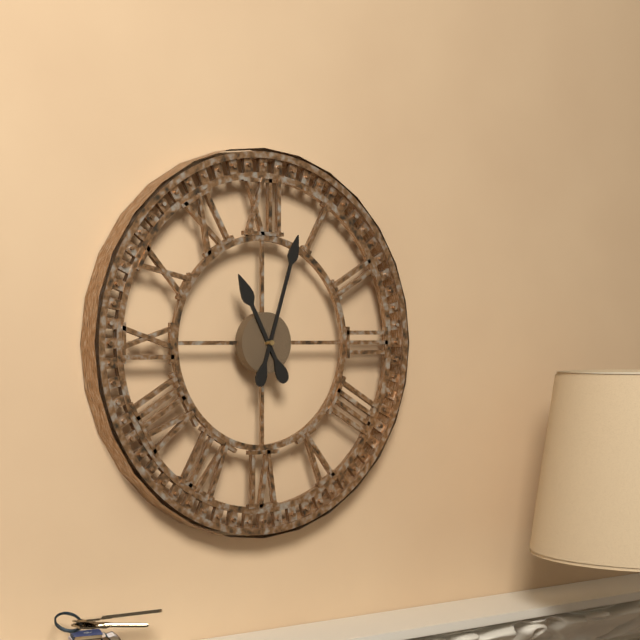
11:03
